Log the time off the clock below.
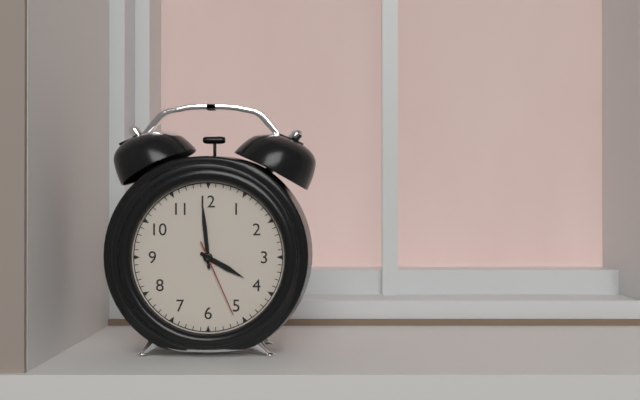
3:59:26
